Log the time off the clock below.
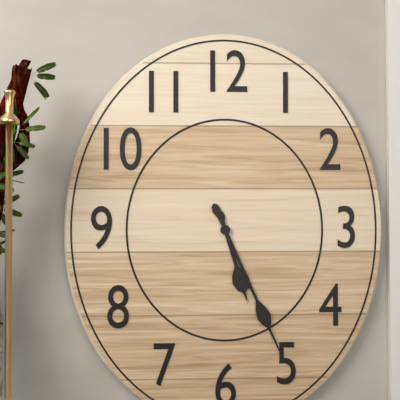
5:26
